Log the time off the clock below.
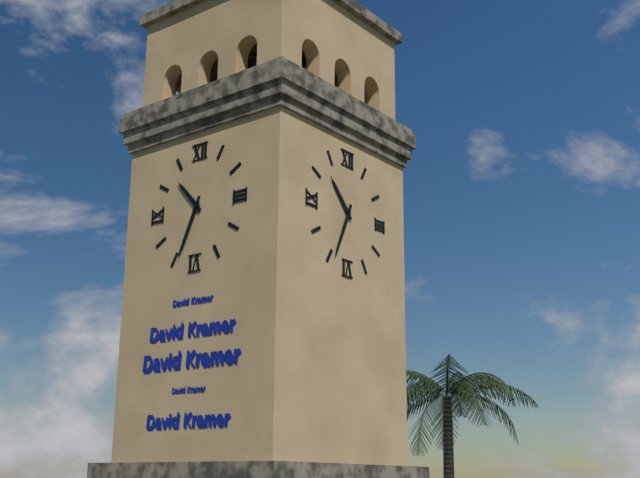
10:34
